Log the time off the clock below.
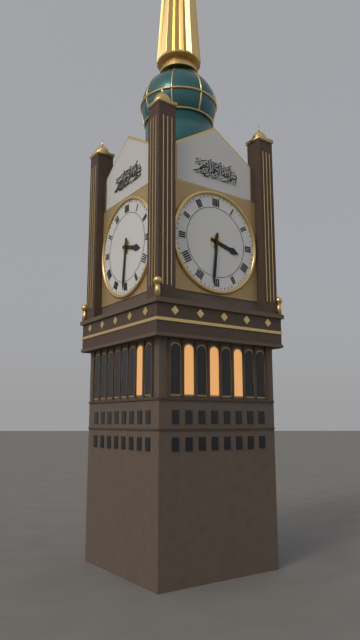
3:31
